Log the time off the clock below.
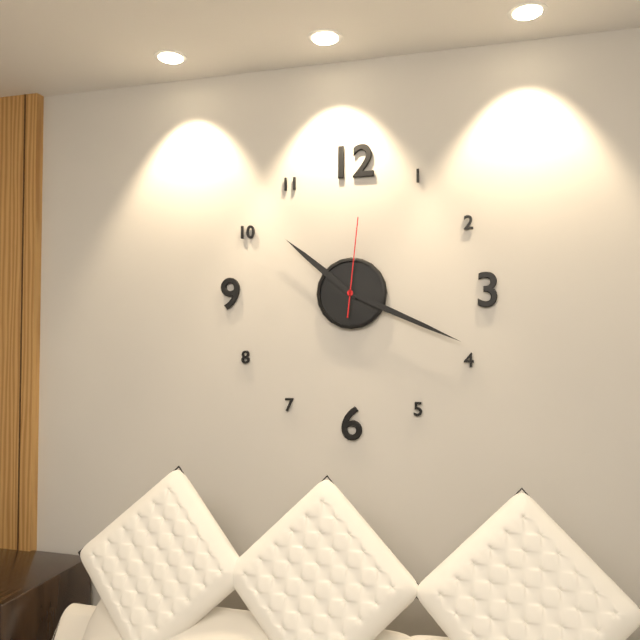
10:19:01
